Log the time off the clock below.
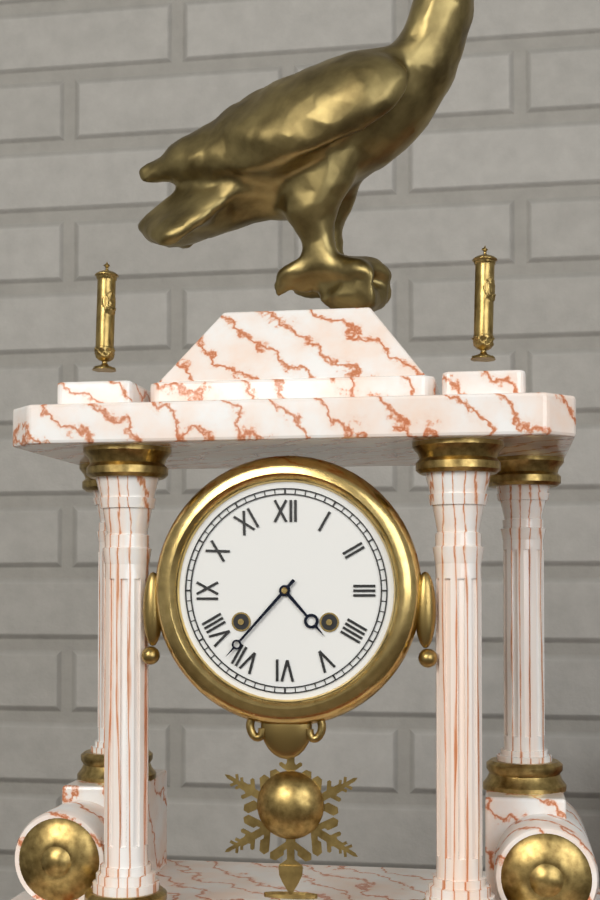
4:37
